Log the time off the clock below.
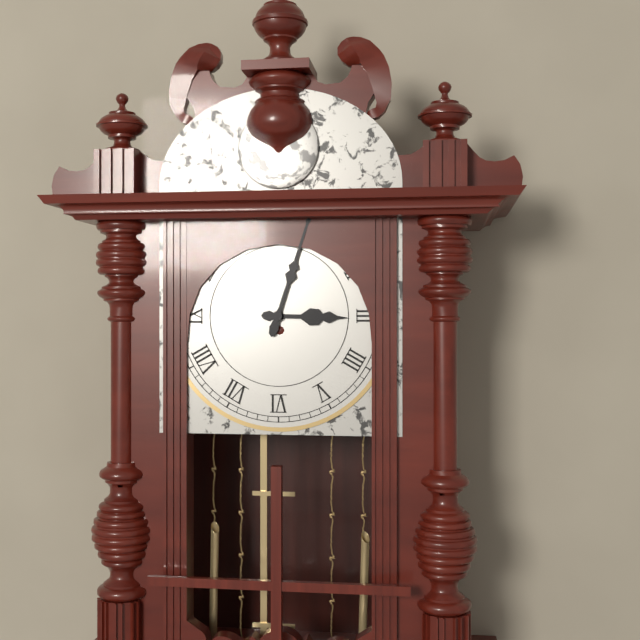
3:03
